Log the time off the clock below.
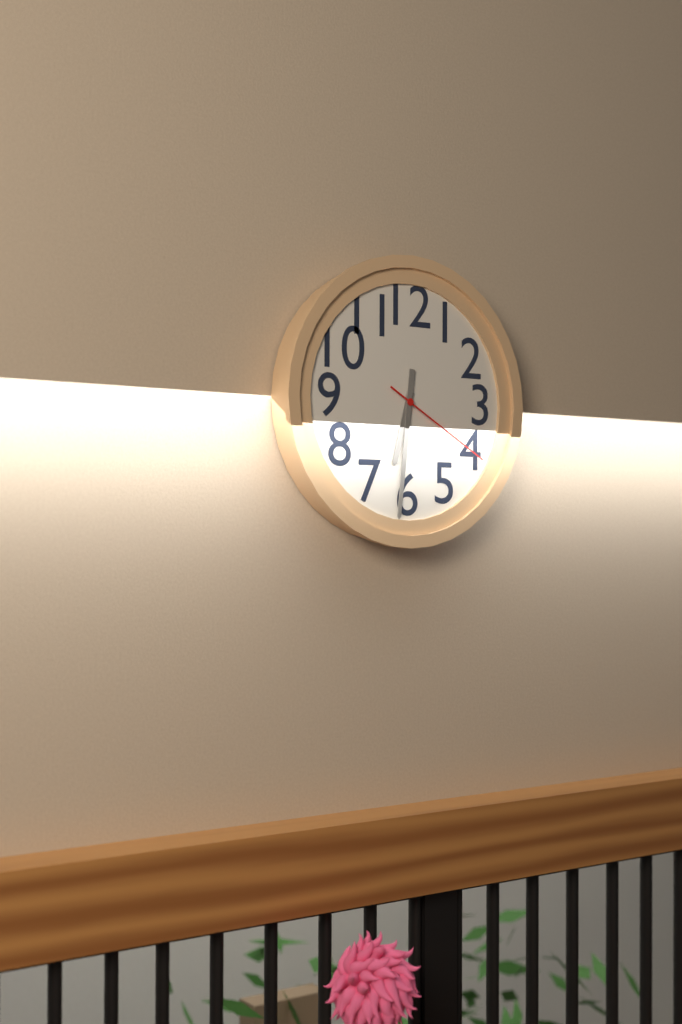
6:31:20
